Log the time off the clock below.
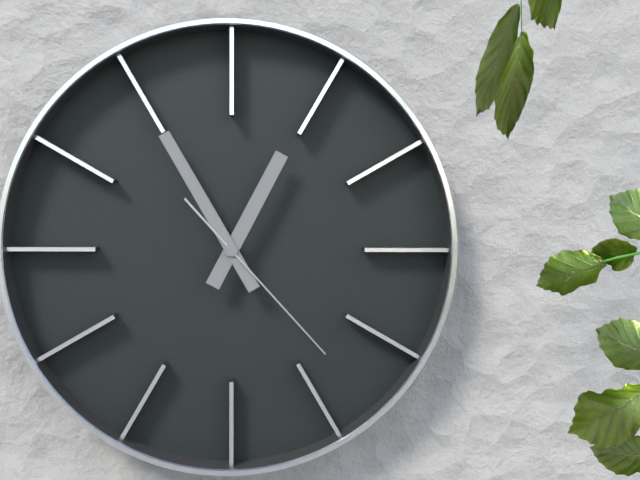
12:55:23
